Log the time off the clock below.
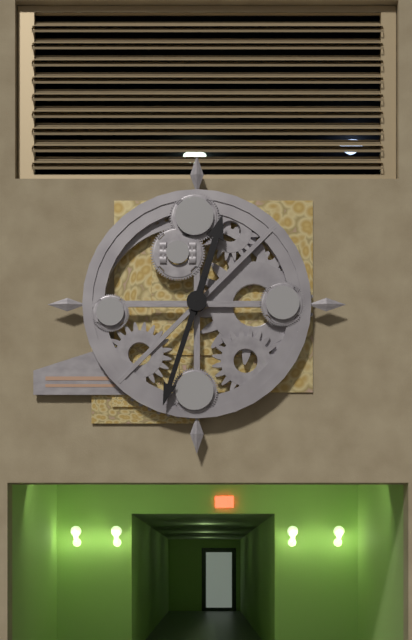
12:33
